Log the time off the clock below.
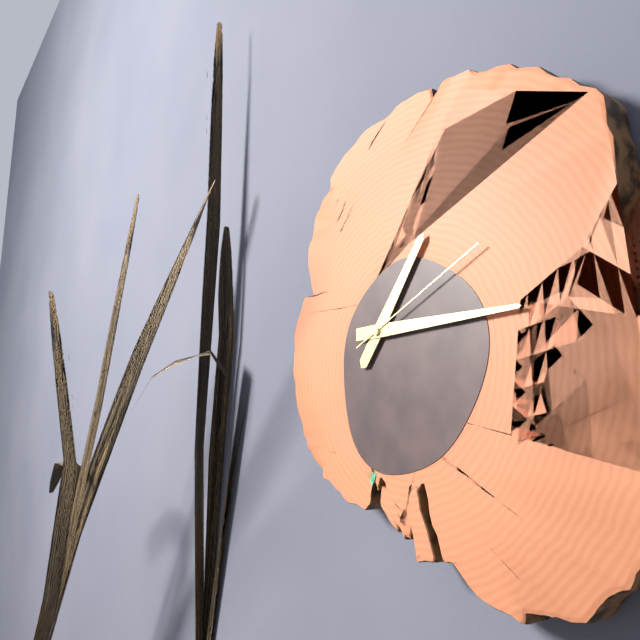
1:15:11
